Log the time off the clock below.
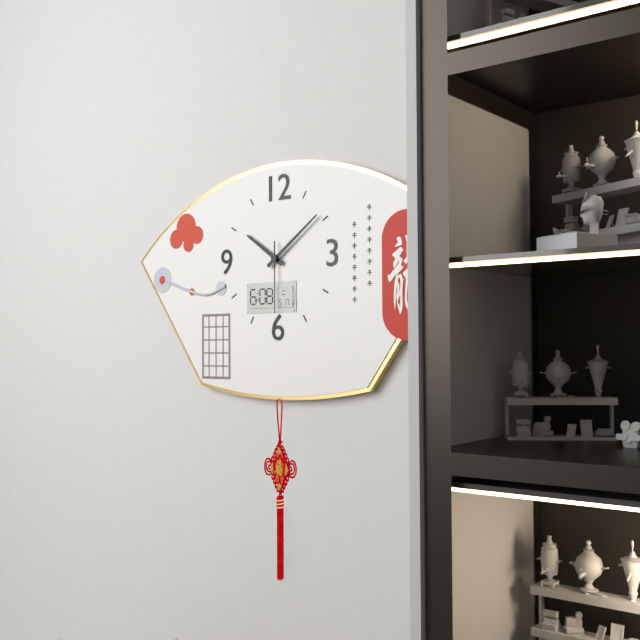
10:09:30
